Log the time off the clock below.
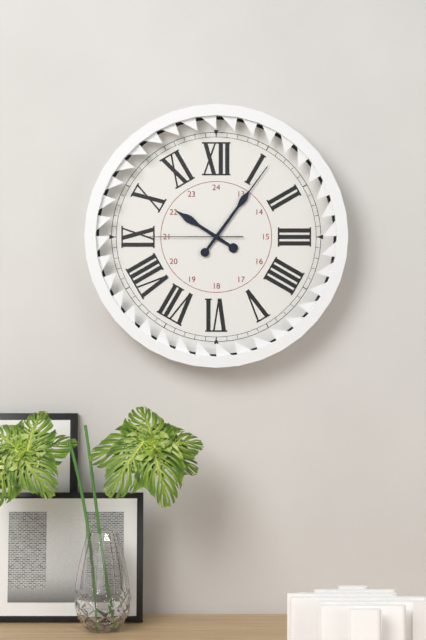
10:06:45
